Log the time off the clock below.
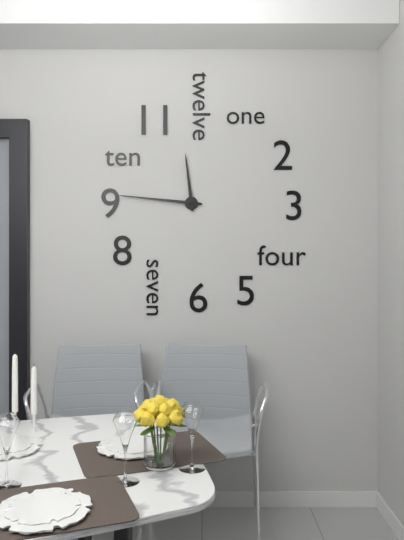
11:46
